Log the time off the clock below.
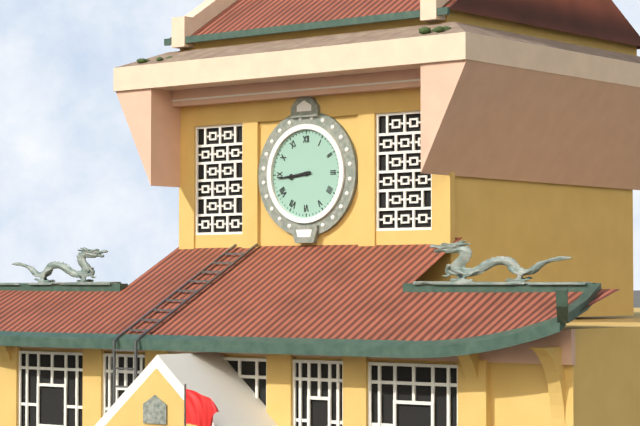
8:44
